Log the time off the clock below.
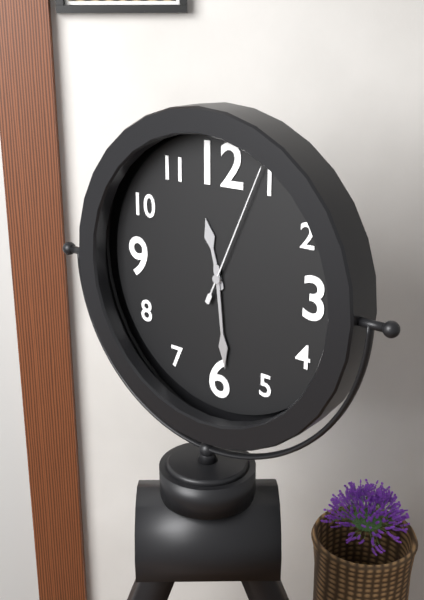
11:29:04
